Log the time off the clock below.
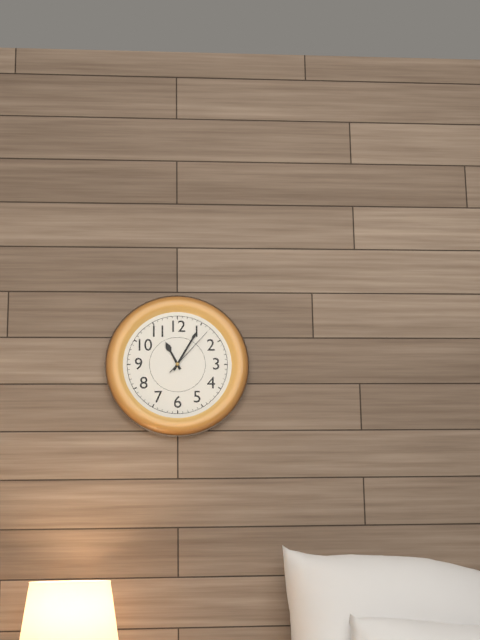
11:05:07
